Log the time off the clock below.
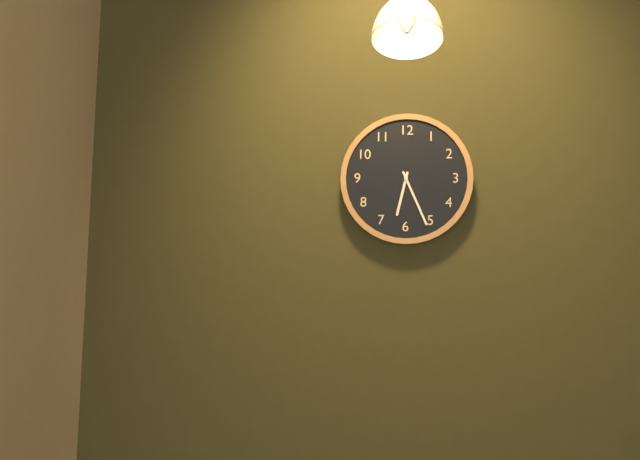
6:26
